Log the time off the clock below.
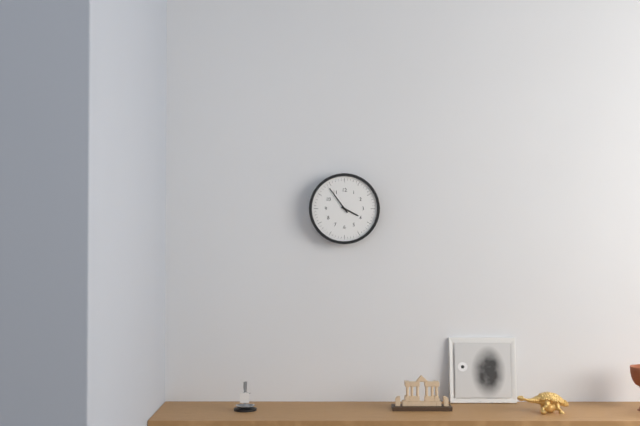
3:54
